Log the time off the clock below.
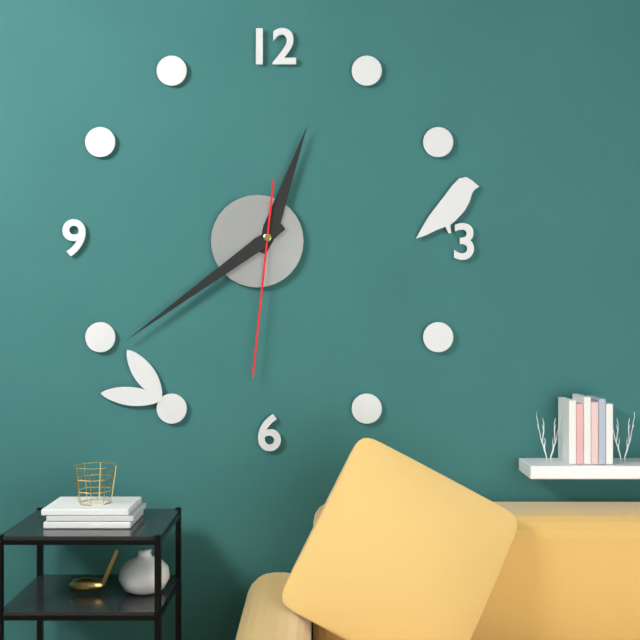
12:39:31
